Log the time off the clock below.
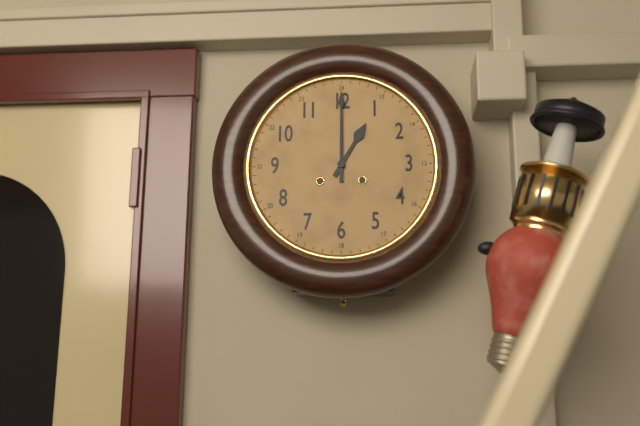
1:00
